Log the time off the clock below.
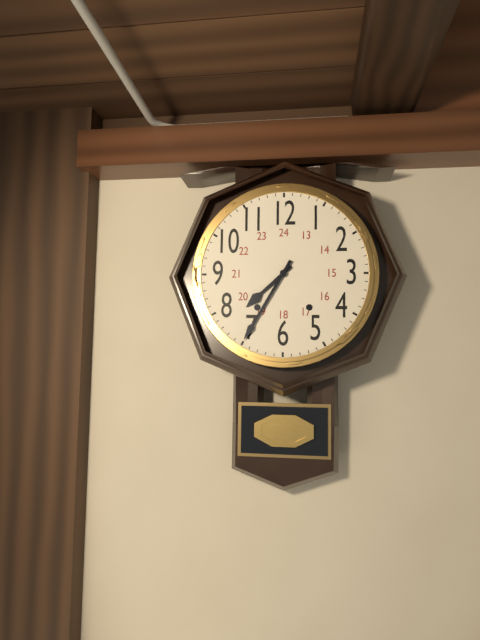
7:35
